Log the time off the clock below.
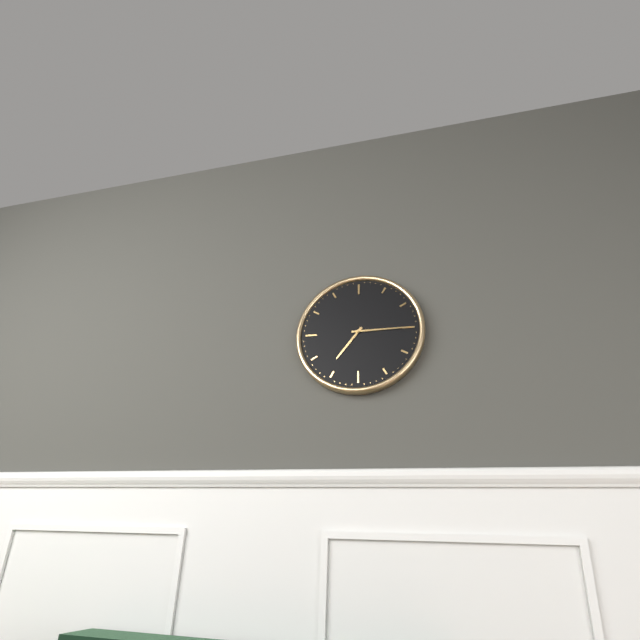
7:15
